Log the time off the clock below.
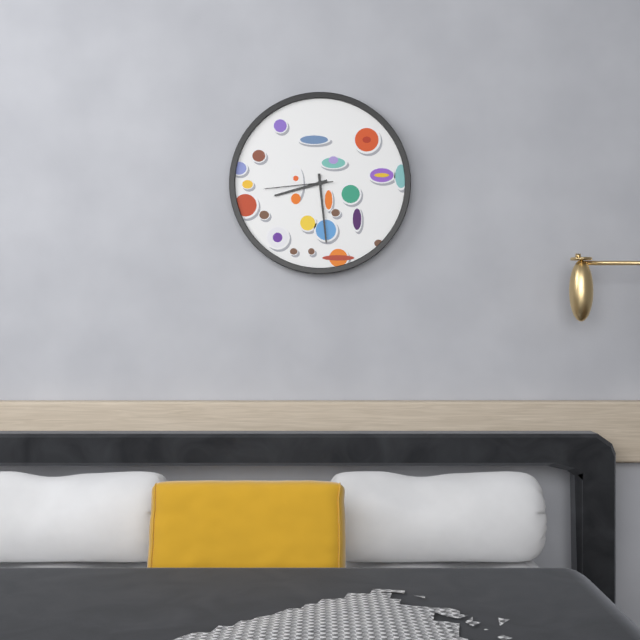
8:29:44
